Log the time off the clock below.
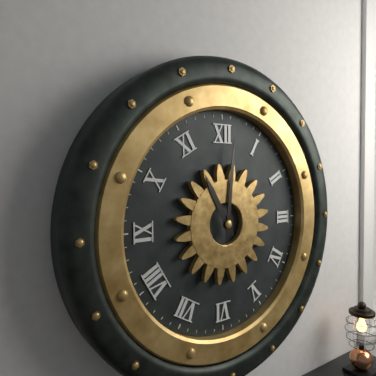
11:01
